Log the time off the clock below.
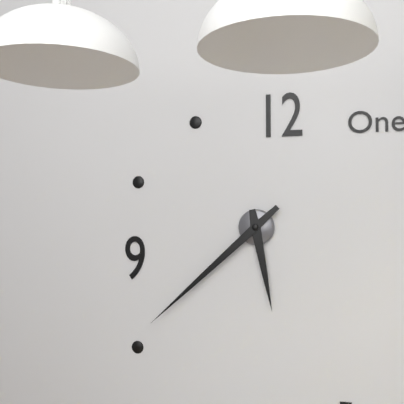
5:38
